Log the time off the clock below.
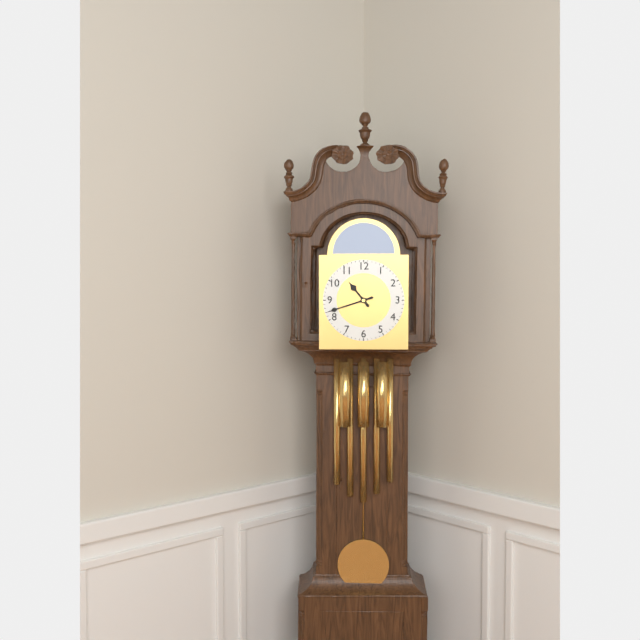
10:42
